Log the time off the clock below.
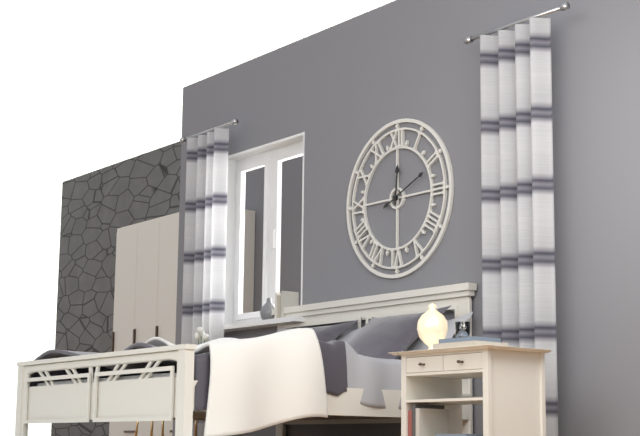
12:11
